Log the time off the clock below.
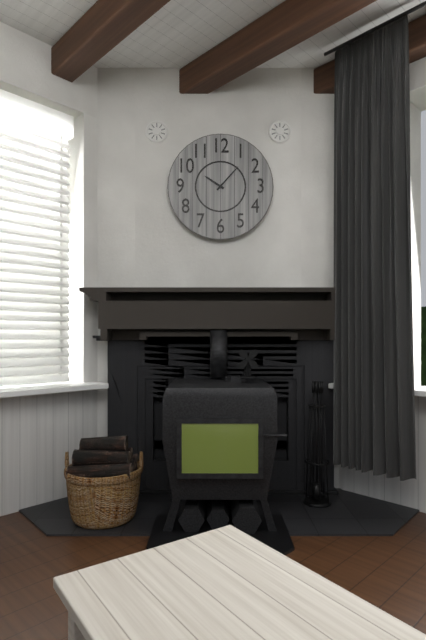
10:07
